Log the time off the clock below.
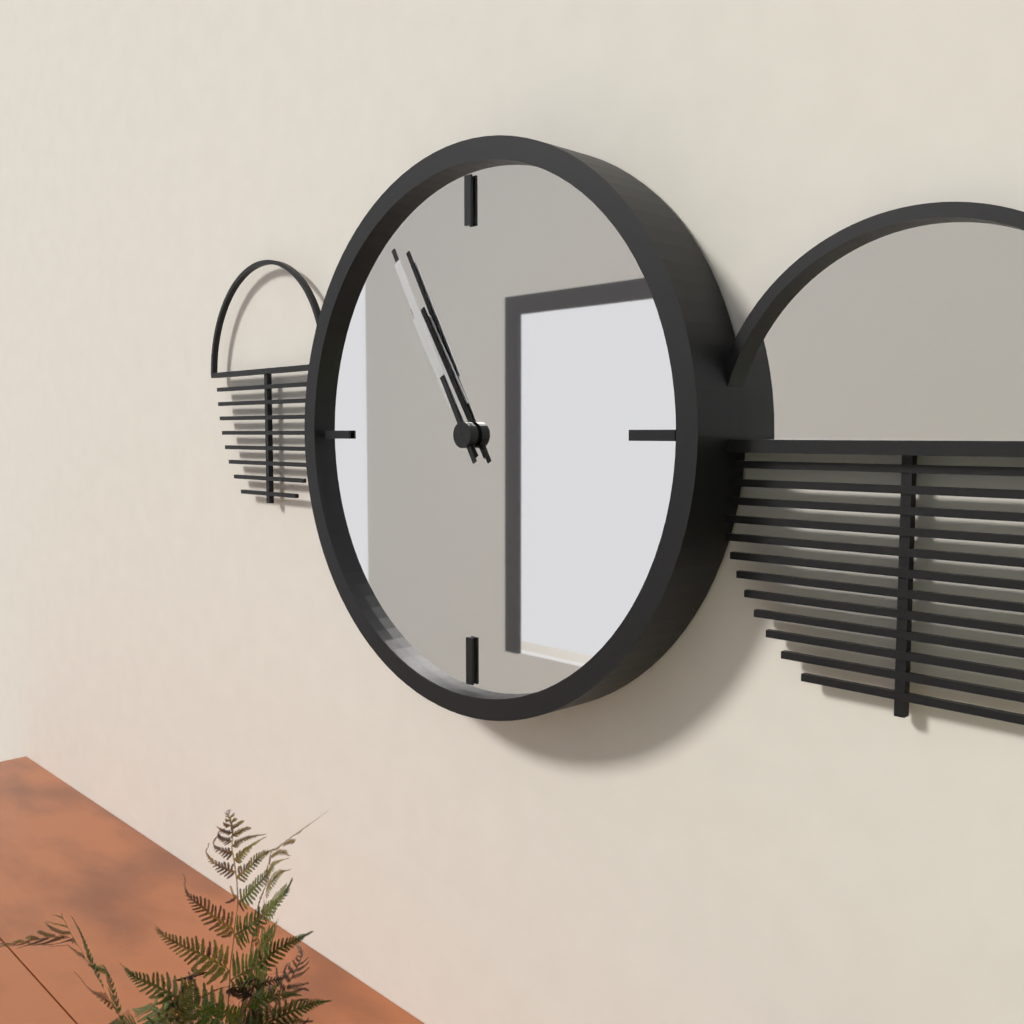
10:55
